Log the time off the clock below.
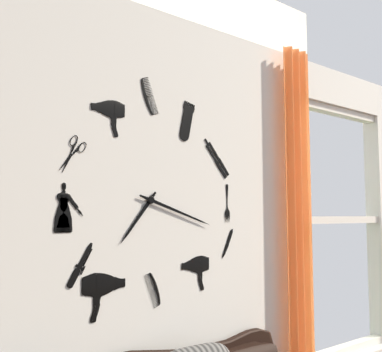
7:18
